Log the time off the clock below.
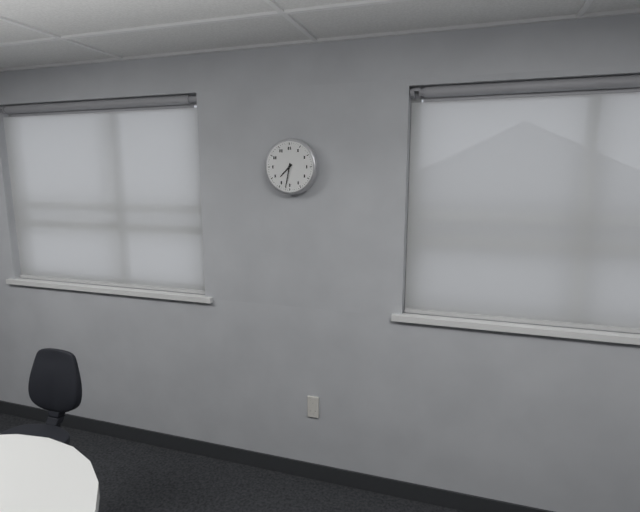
7:32
